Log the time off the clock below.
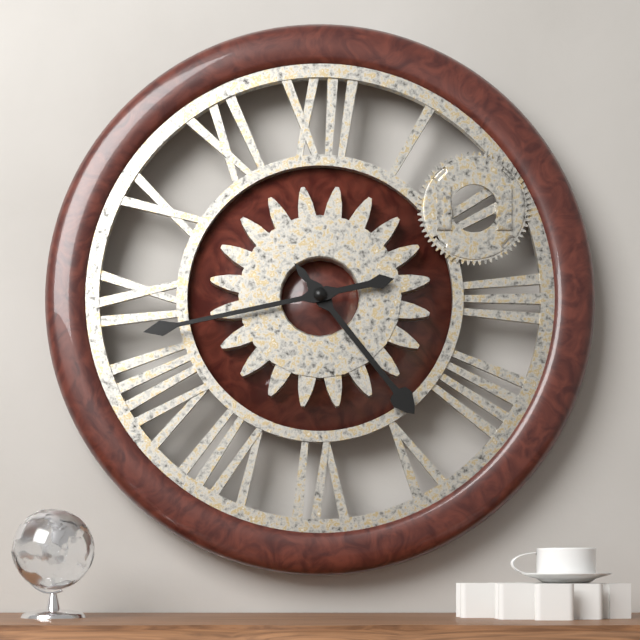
4:43
